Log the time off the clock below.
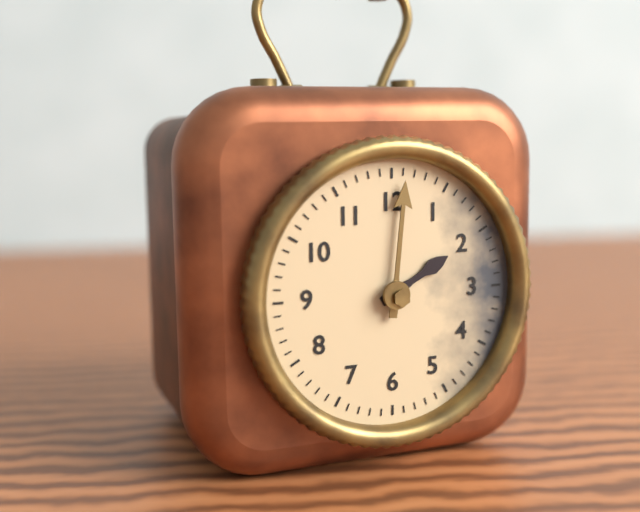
2:01
